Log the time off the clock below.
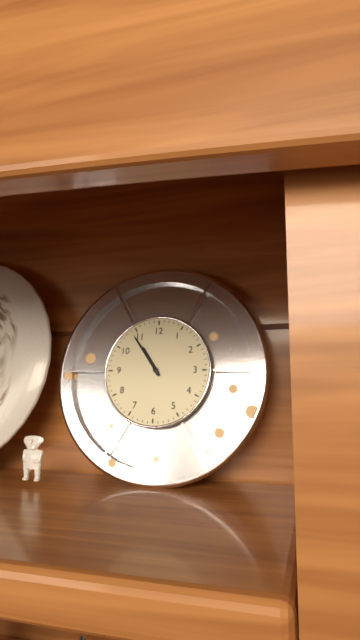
10:54
